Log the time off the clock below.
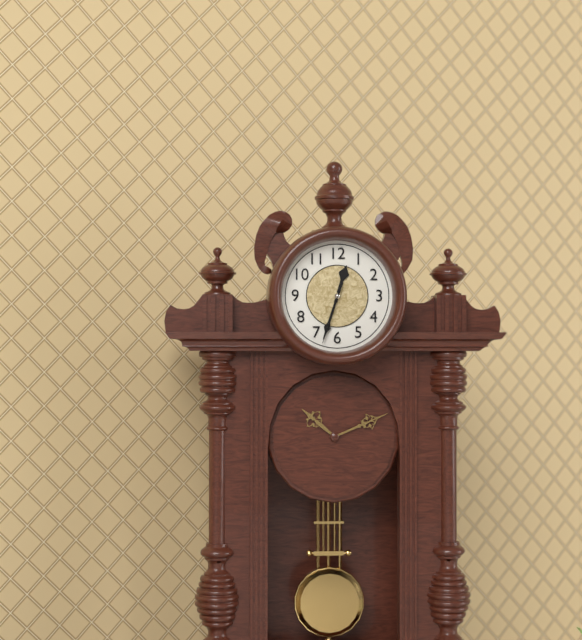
12:33:33
